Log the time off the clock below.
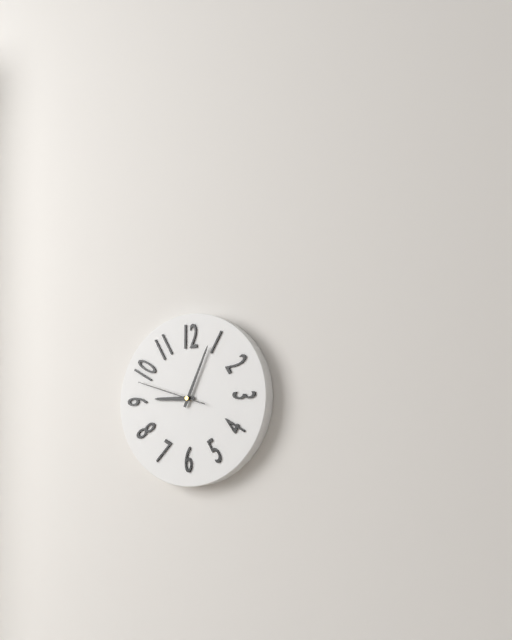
9:04:48
